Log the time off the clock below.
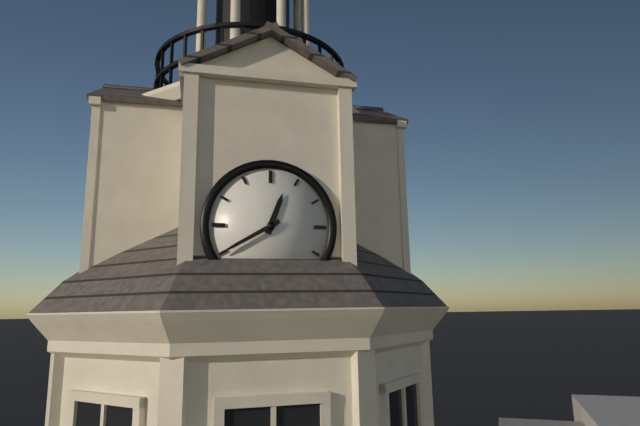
12:40
